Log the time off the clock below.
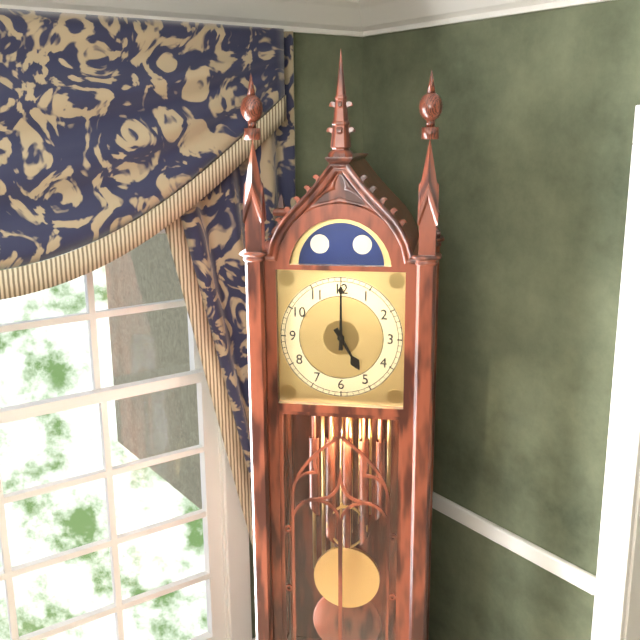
5:00
